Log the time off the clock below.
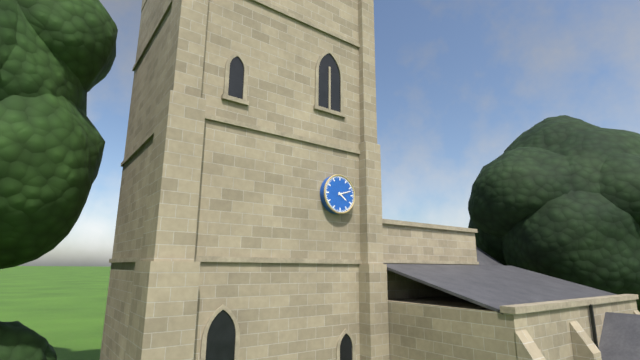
4:12
